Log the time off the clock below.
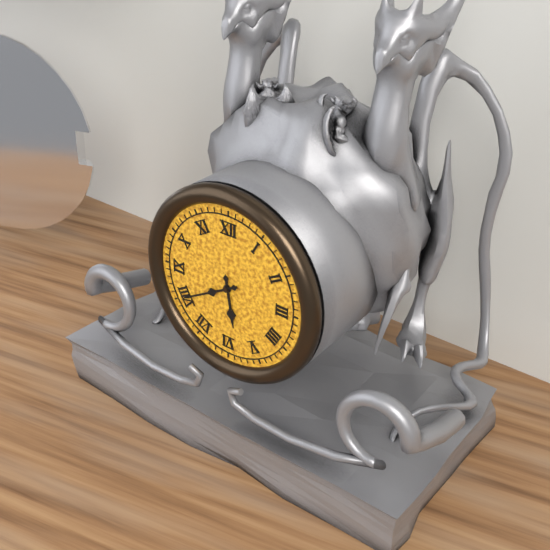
5:40
